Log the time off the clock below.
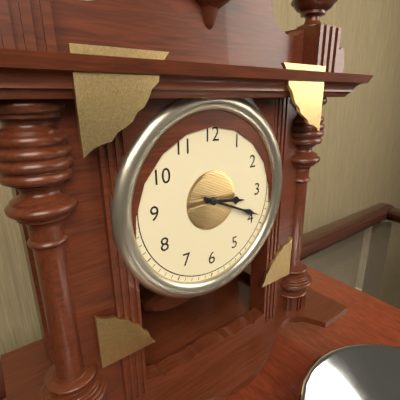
3:19
